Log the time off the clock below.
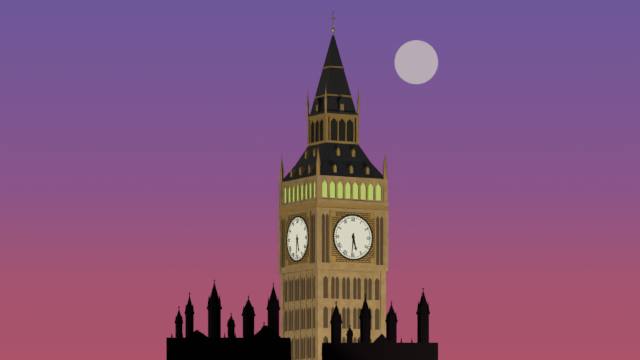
5:31
